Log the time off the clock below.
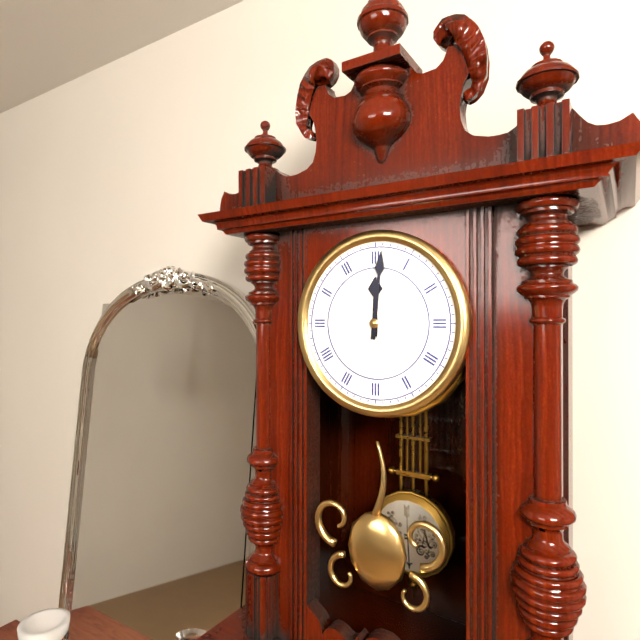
12:01
